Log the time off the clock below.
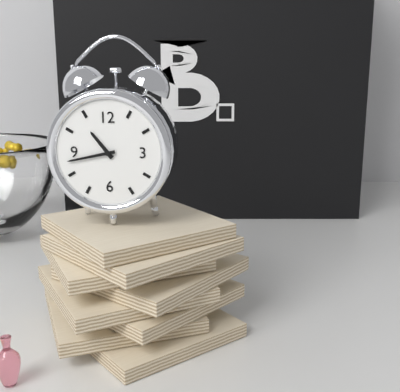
10:43
